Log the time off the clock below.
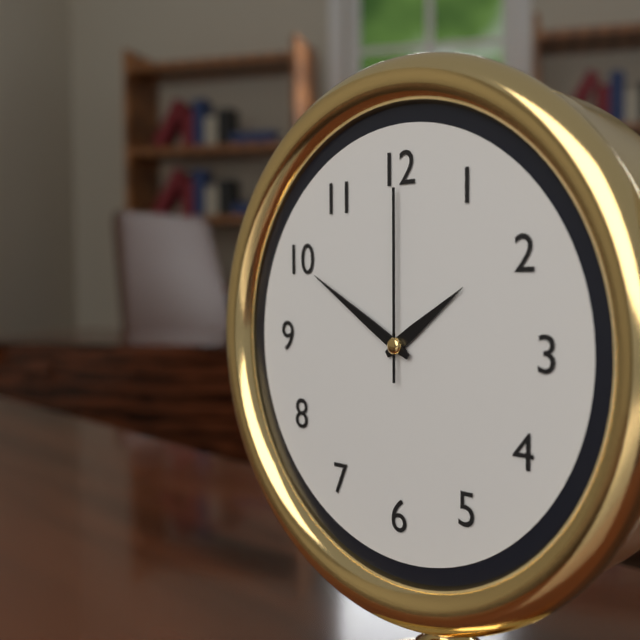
1:50:00
